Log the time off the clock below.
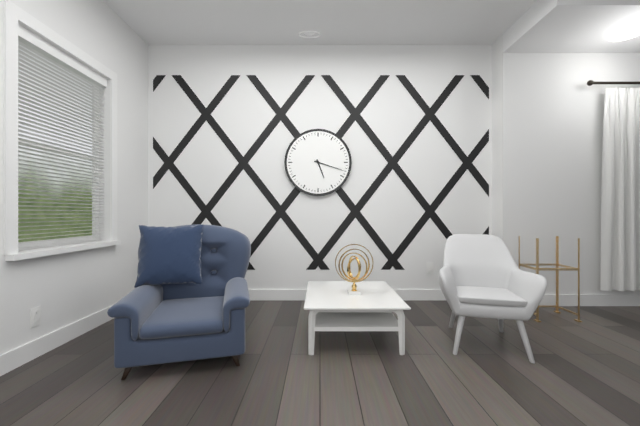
5:18
